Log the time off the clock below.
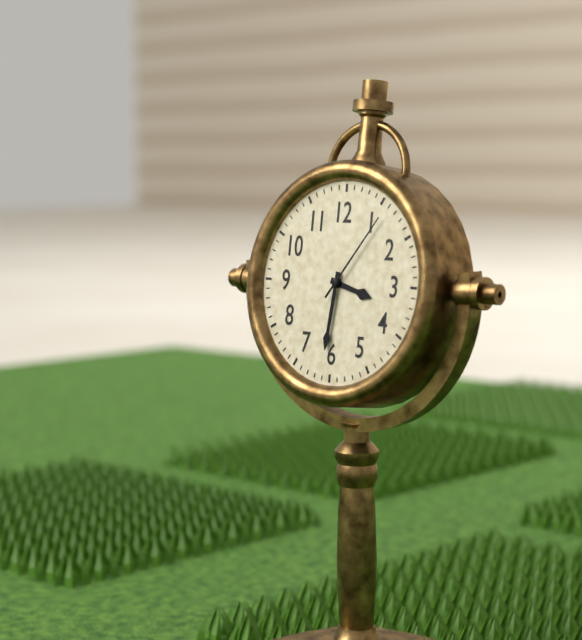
3:31:06
